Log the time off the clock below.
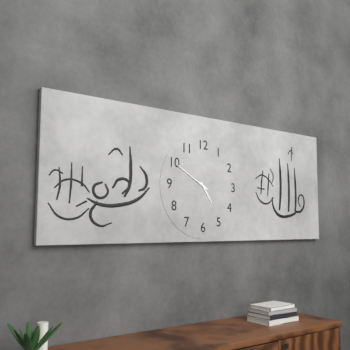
4:50
